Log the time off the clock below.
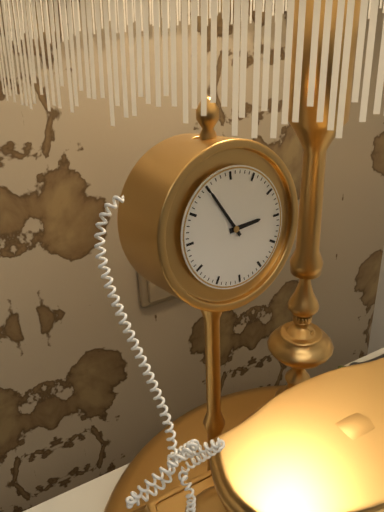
2:55
